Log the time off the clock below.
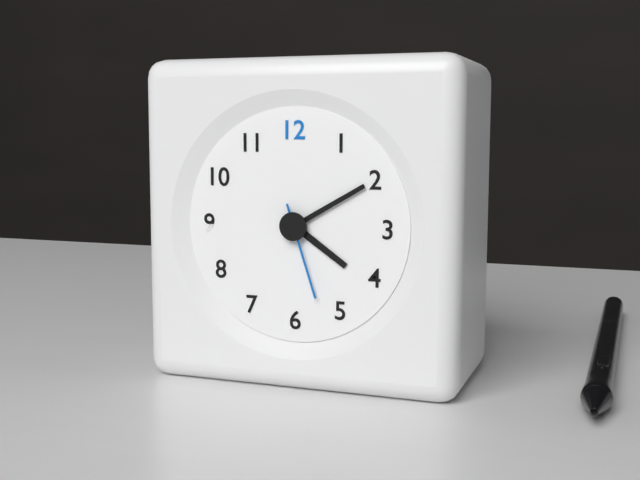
4:10:27
